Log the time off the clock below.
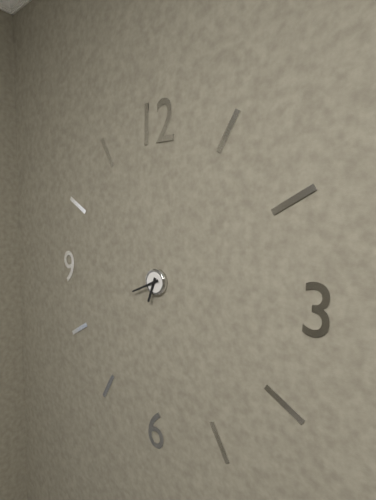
6:41
